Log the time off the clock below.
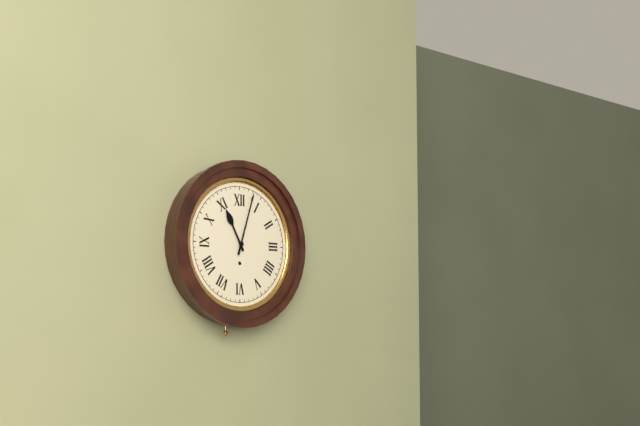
11:03
